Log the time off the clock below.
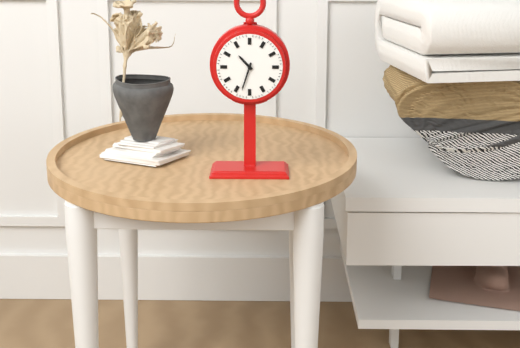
10:33
